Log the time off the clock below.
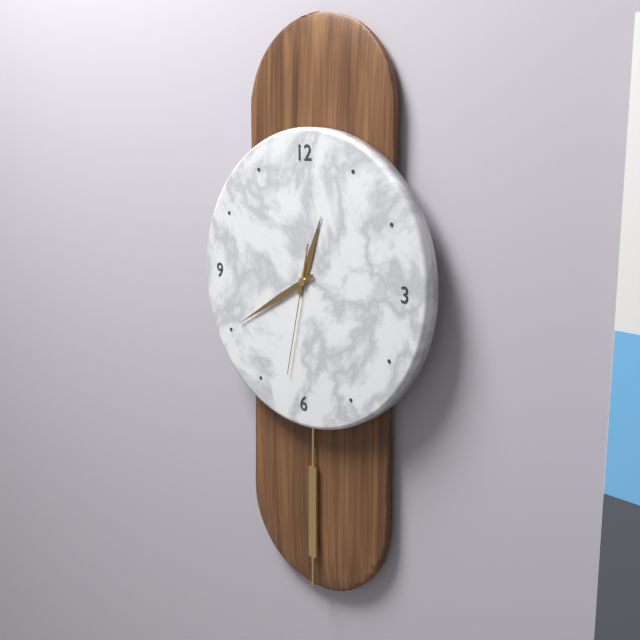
12:40:32
